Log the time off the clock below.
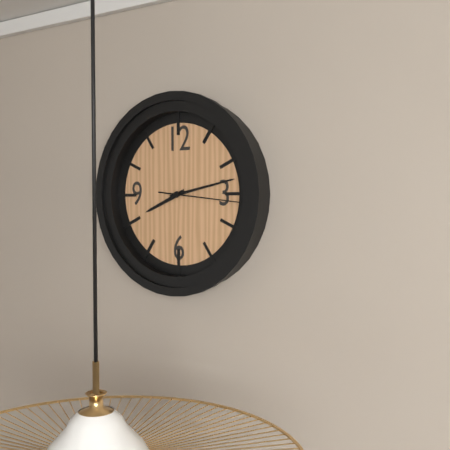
8:13:16
